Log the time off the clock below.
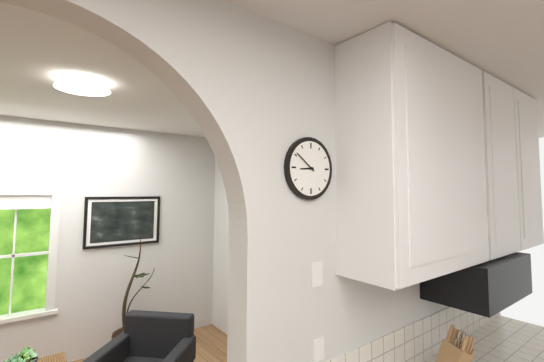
8:51
